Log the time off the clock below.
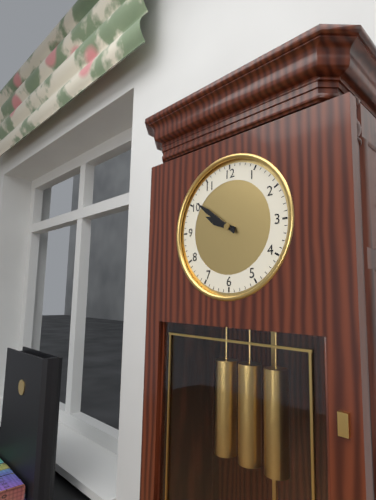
9:51
